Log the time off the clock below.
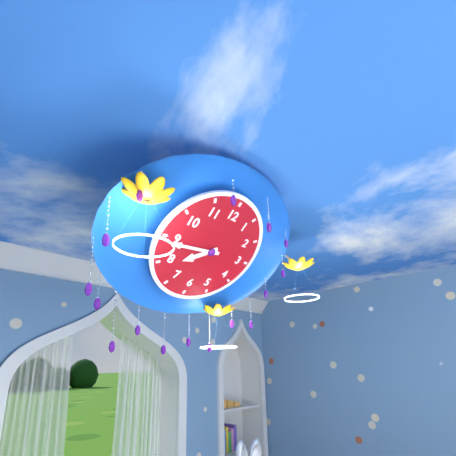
7:44
